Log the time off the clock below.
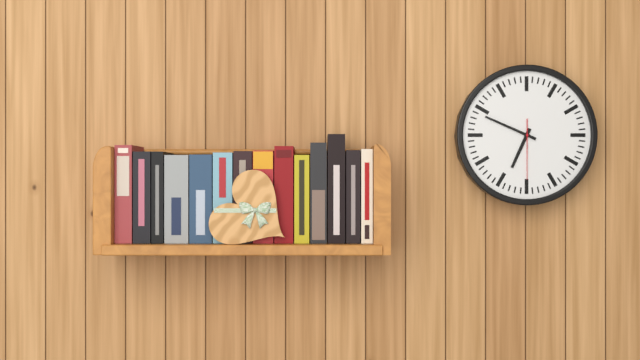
6:49:30
